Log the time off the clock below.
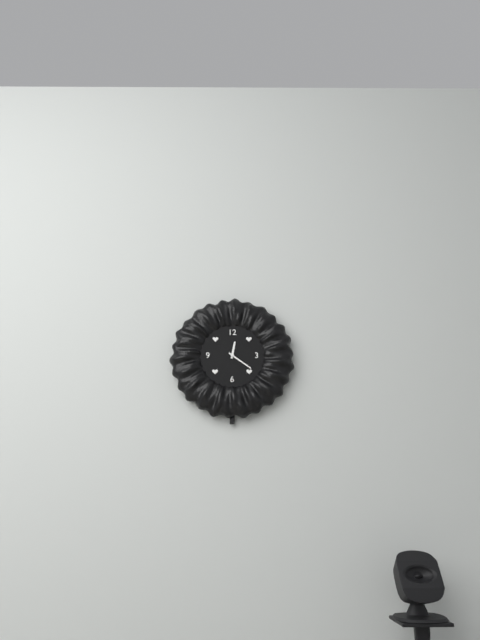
12:21
